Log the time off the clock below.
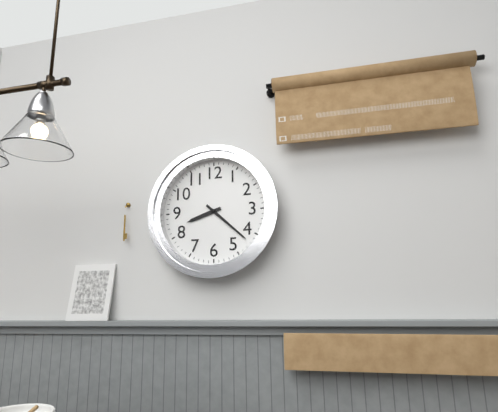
8:22
